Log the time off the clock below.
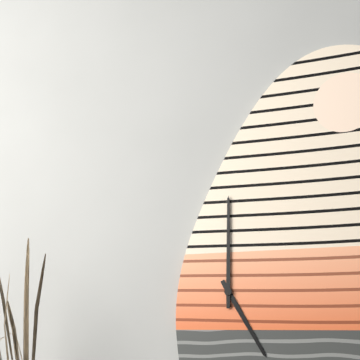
5:00
